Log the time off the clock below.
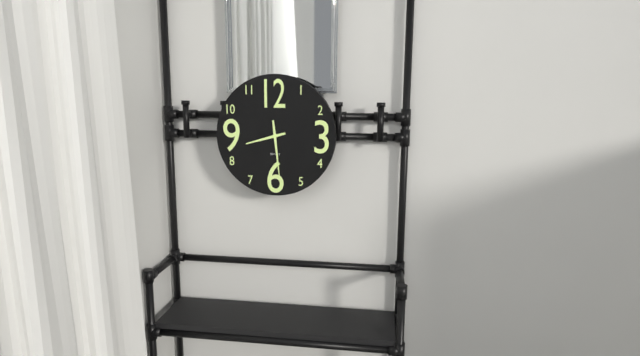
8:29
